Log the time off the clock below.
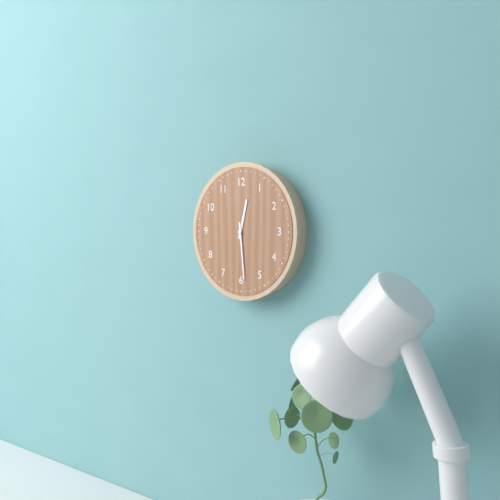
12:29
